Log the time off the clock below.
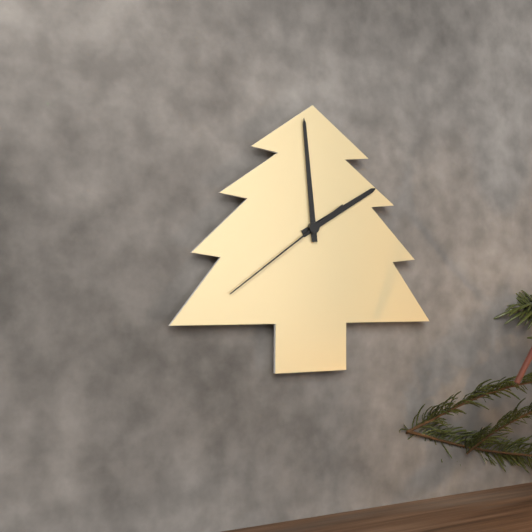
1:59:39
